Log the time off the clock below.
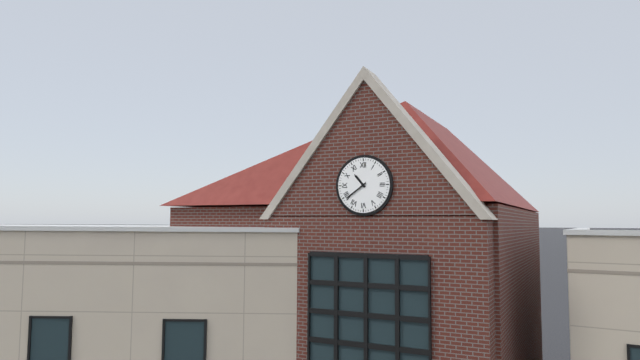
10:39
